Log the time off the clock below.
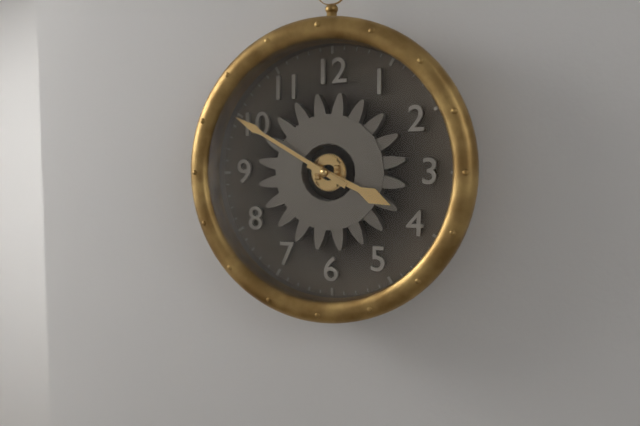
3:50
